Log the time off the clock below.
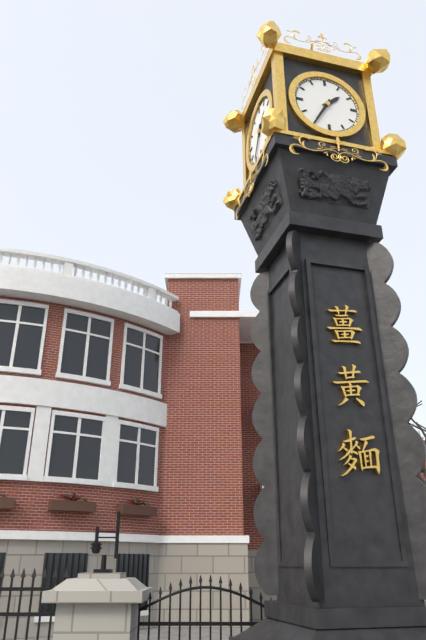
1:35
